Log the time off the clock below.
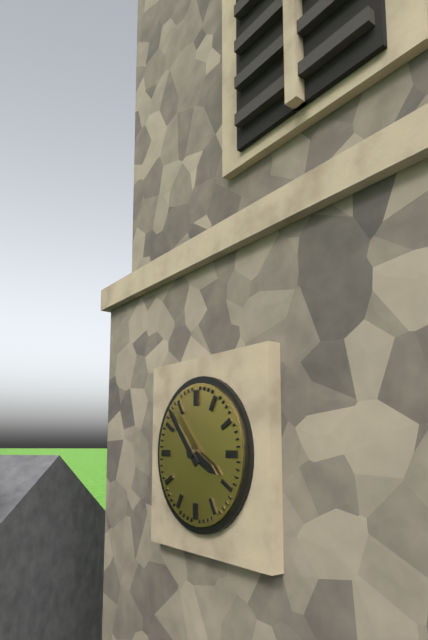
3:53
